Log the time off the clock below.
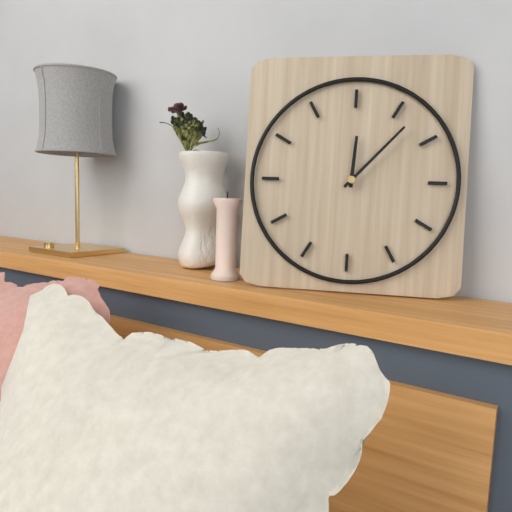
12:07
